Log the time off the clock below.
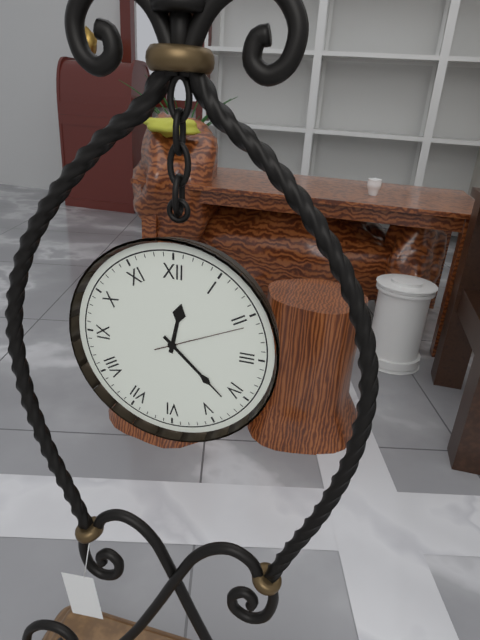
12:22:11
